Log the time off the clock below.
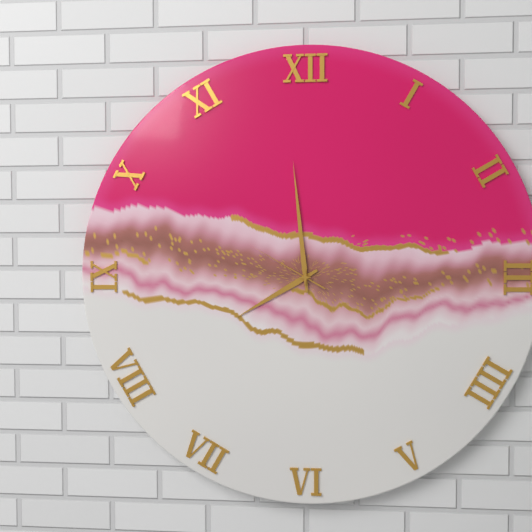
7:59:50
